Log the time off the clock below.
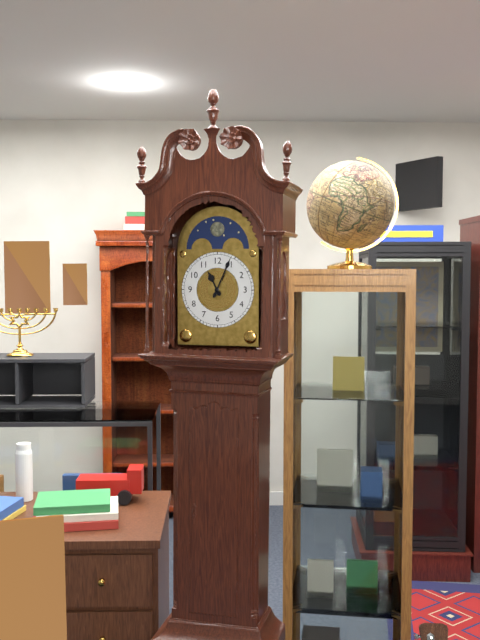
11:04
